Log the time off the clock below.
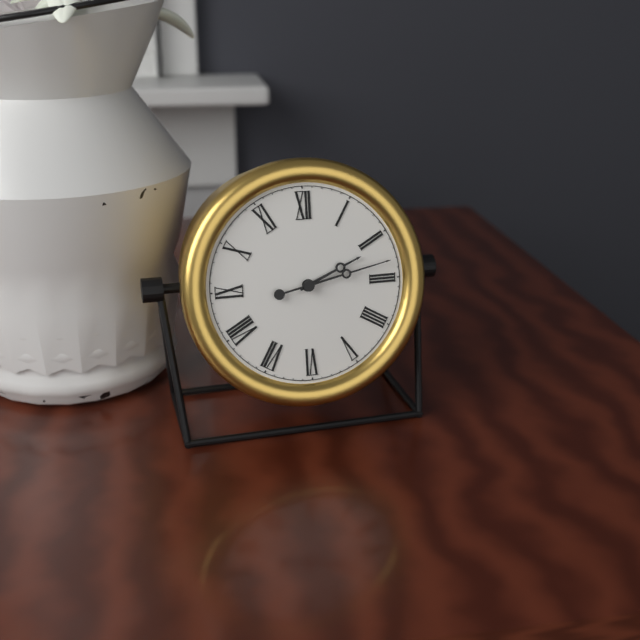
2:13
